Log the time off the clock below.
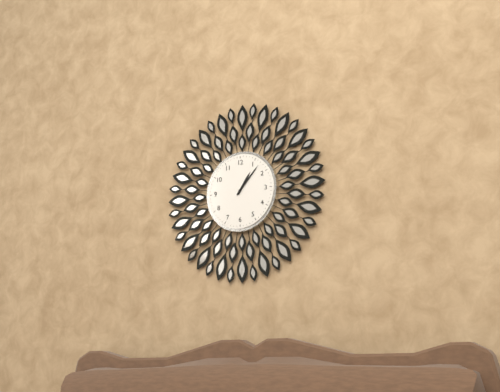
1:07
